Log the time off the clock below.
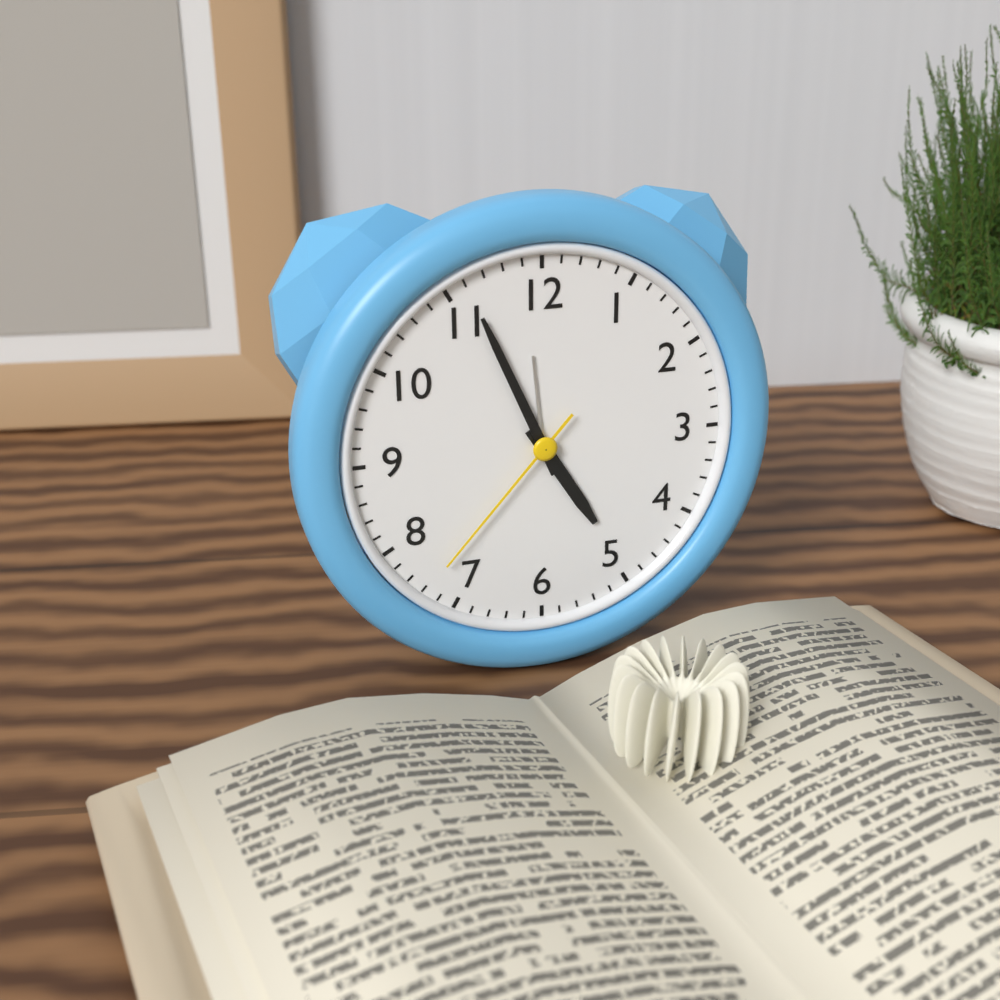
4:56:37
